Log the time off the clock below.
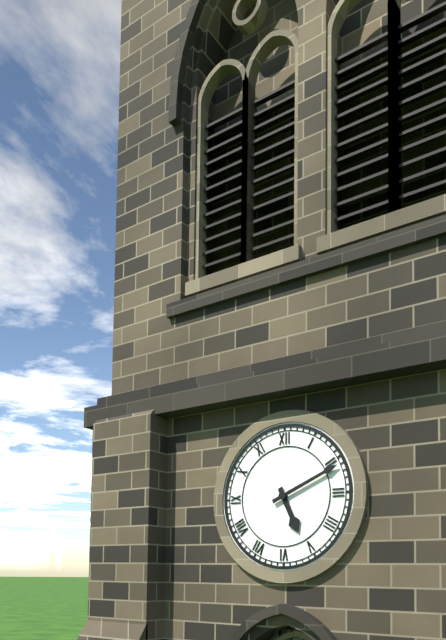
5:11
